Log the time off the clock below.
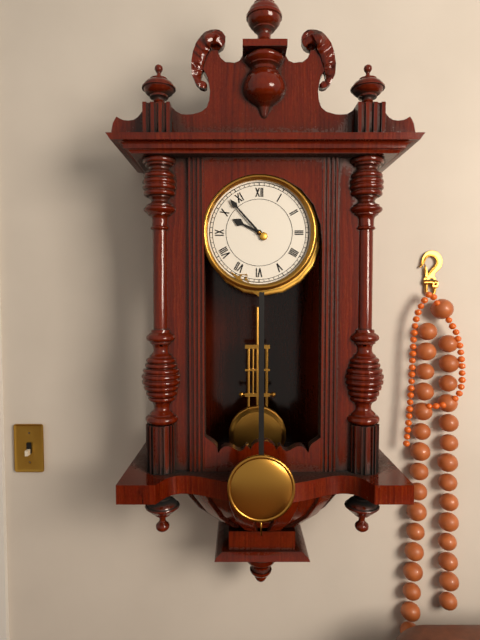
9:53
